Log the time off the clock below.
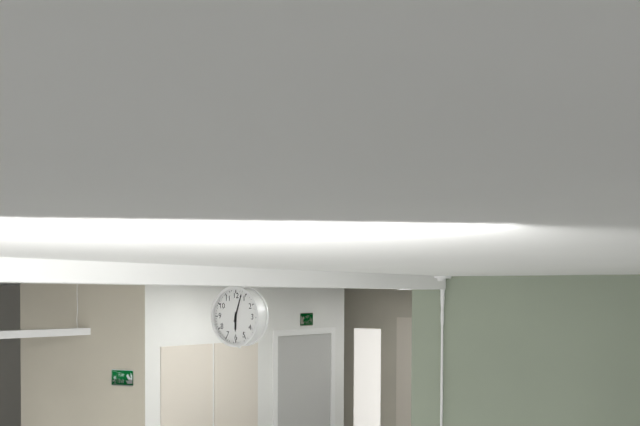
6:03
